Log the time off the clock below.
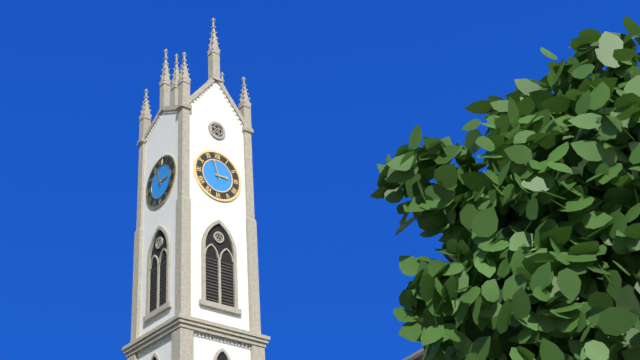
2:57
